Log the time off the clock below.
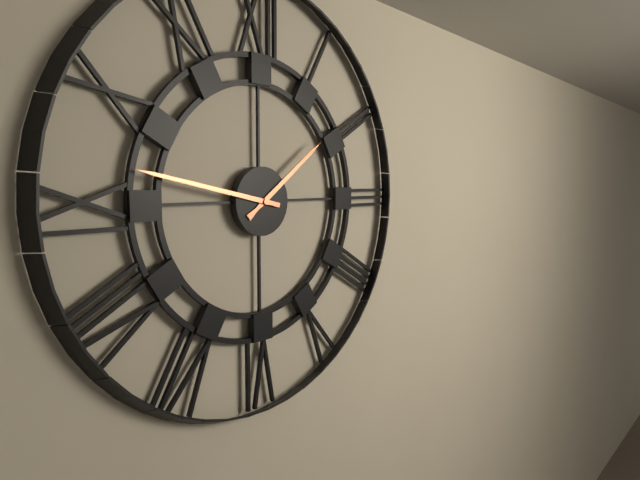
1:47
